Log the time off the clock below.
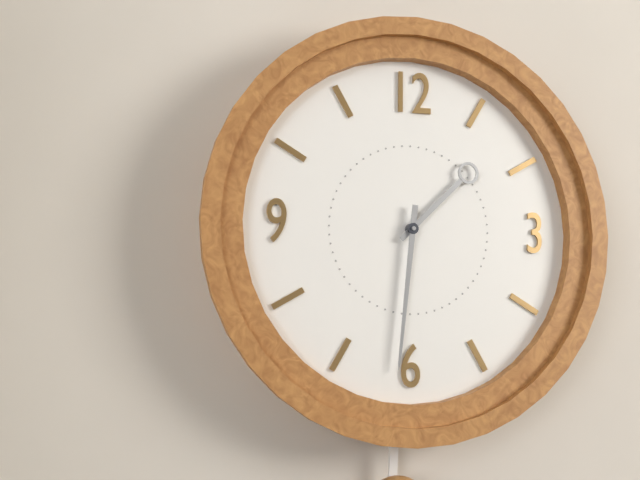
1:31
